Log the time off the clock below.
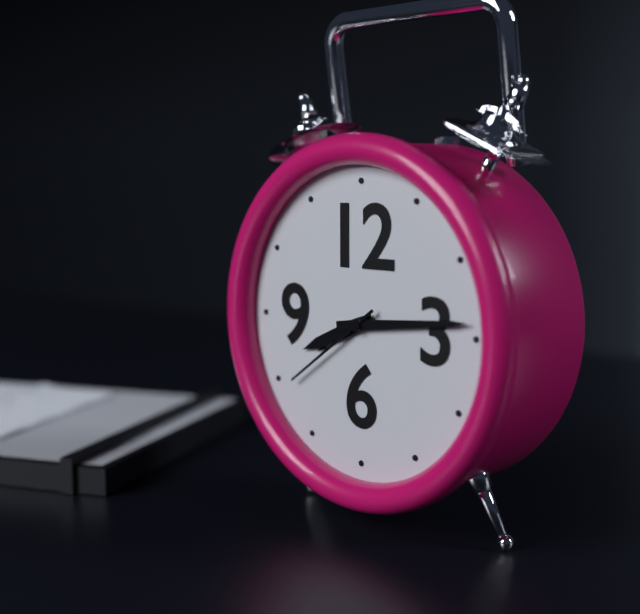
8:14:39
